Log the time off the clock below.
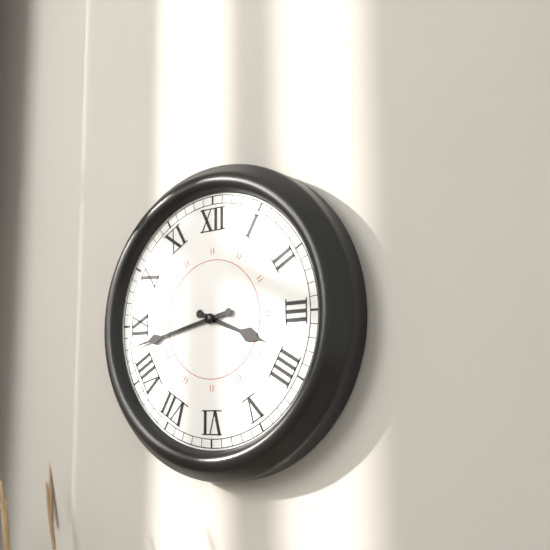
3:43
